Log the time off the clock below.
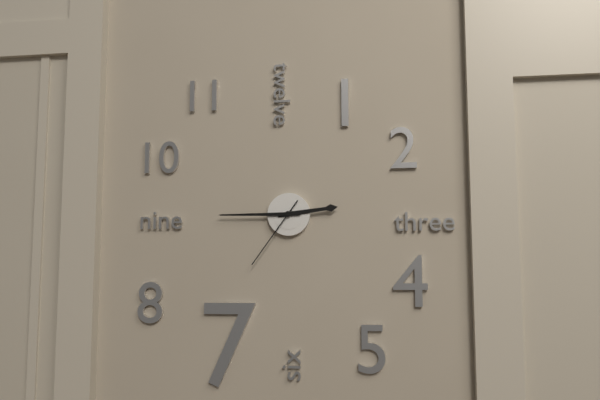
2:45:36
